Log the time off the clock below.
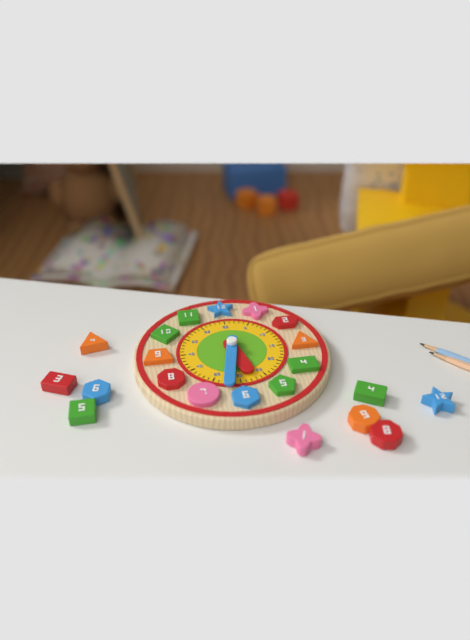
5:32
